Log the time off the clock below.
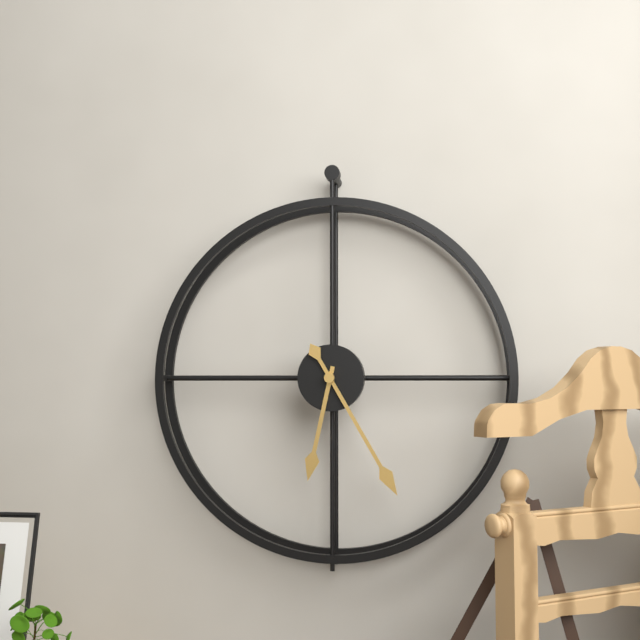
6:25
